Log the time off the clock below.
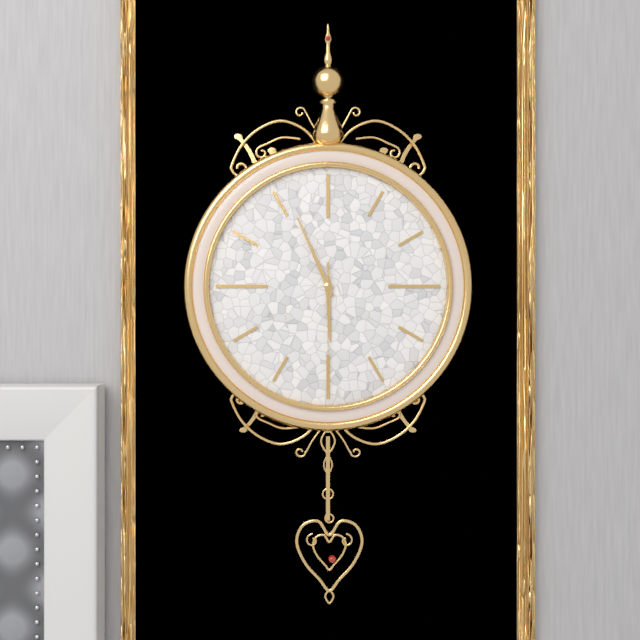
5:56:30
